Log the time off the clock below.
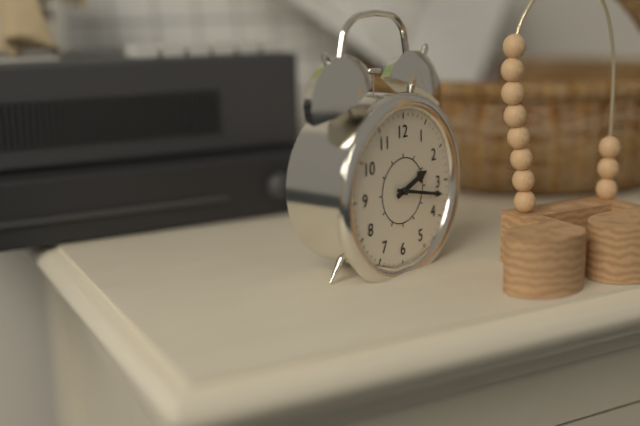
2:17
